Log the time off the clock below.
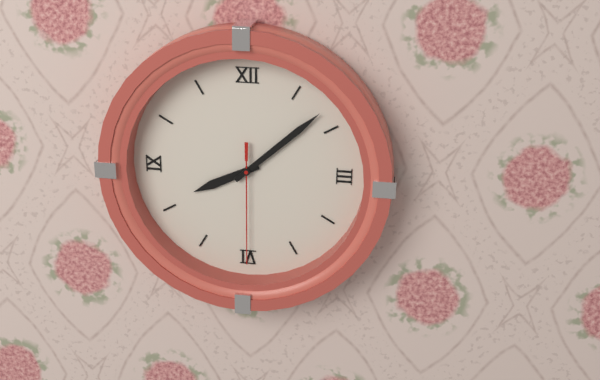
8:08:30
